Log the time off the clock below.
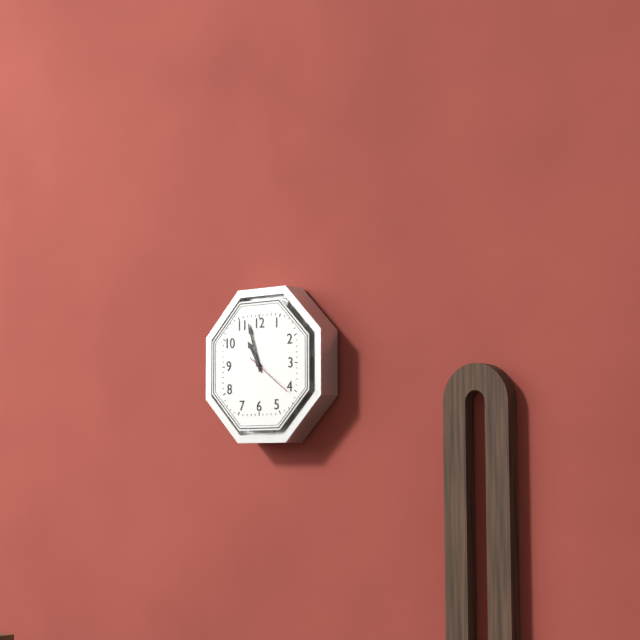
10:57
